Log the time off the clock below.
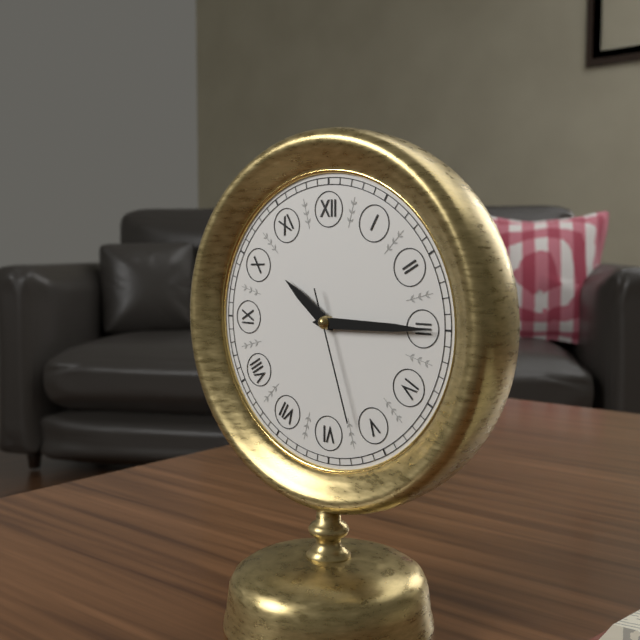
10:15:27
